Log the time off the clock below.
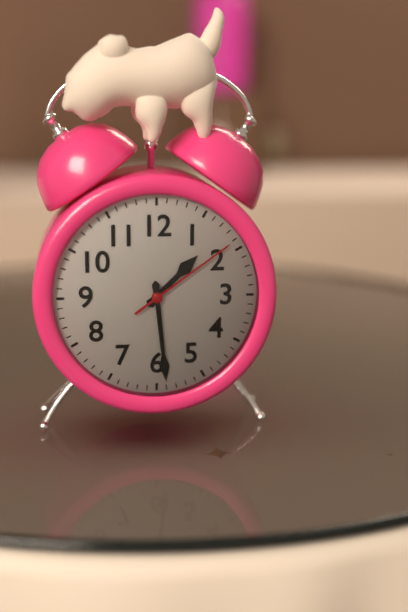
1:29:09
